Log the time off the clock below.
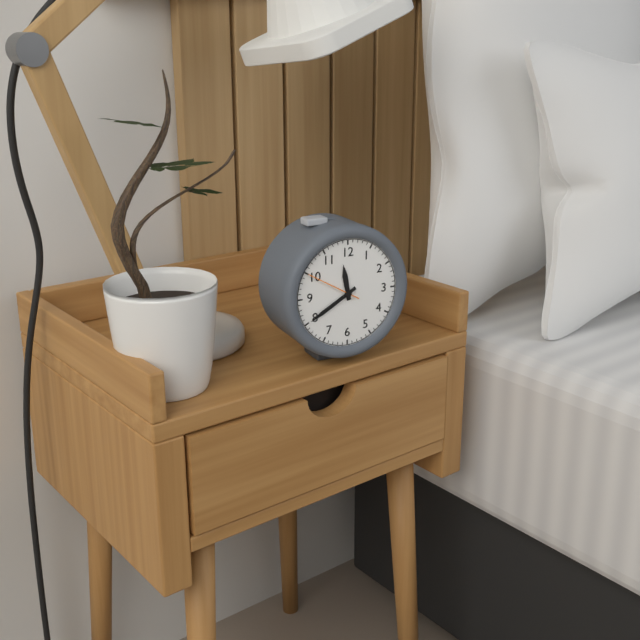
11:40
